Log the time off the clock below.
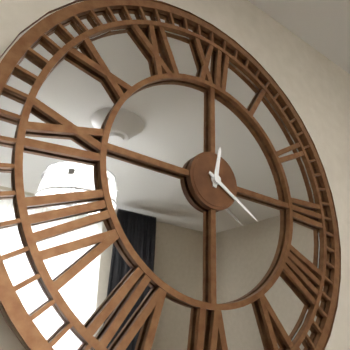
12:20
